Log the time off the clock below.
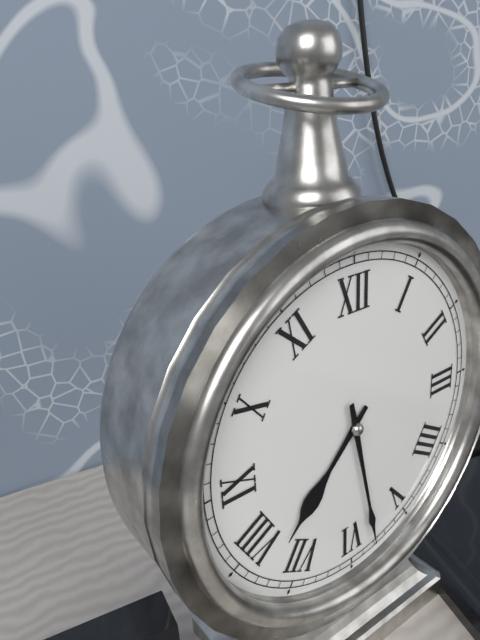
7:28
